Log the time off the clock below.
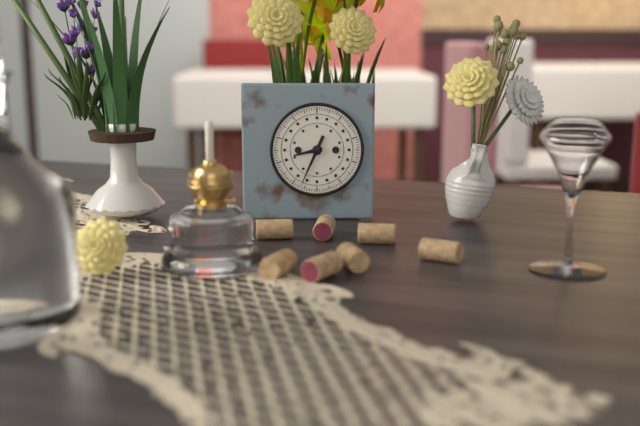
8:34
